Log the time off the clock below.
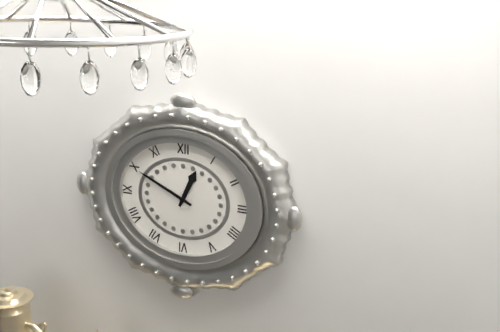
12:49
